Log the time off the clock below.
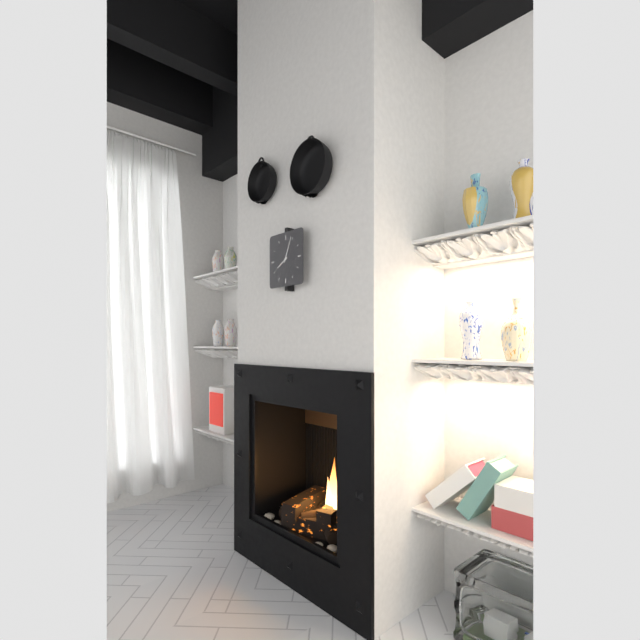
8:04
